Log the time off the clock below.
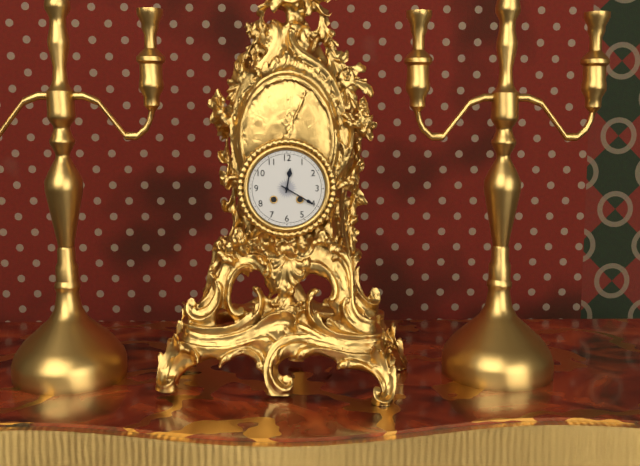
12:20
